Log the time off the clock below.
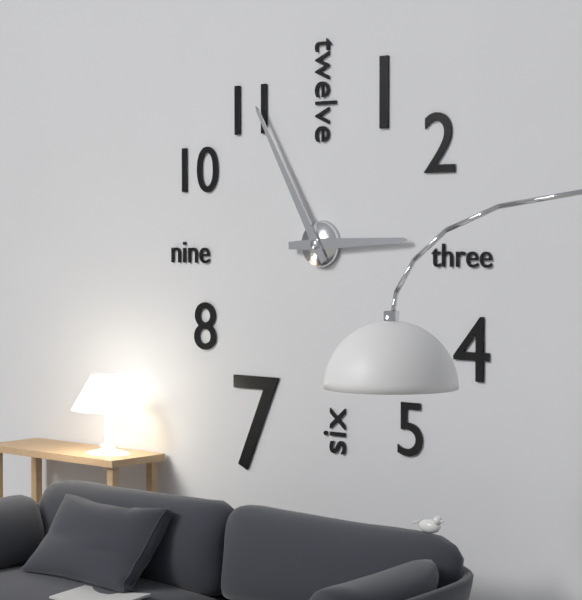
2:55
